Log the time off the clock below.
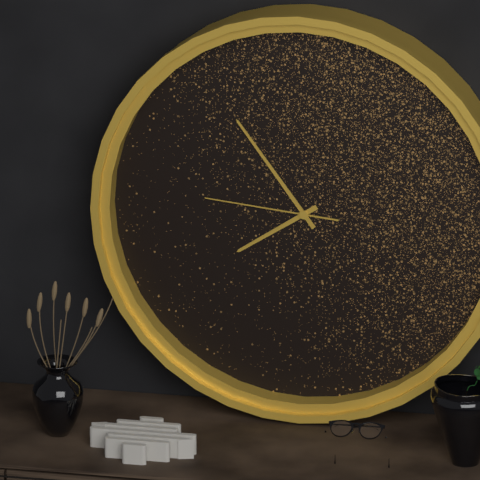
7:54:46
